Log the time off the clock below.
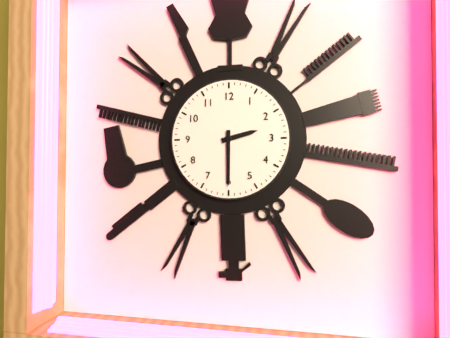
2:30
